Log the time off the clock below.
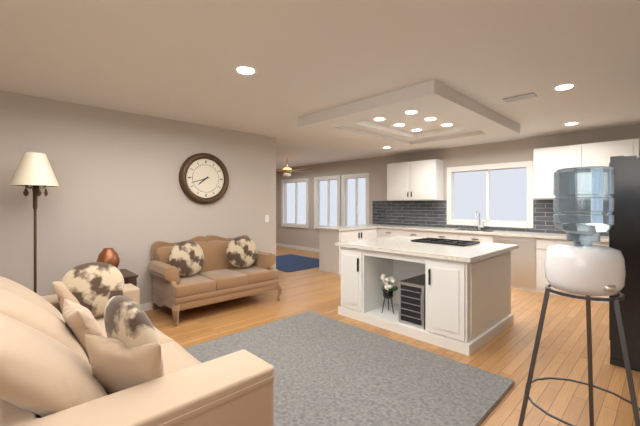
7:42
